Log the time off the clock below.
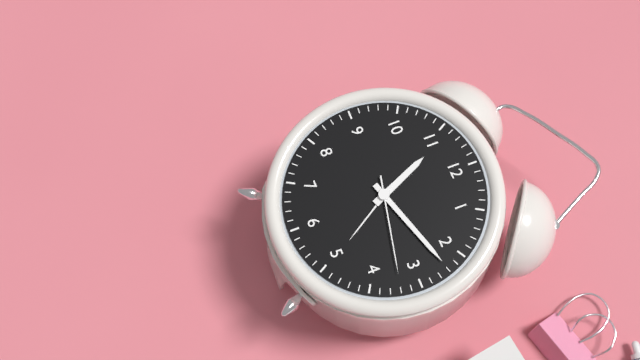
11:12:17
